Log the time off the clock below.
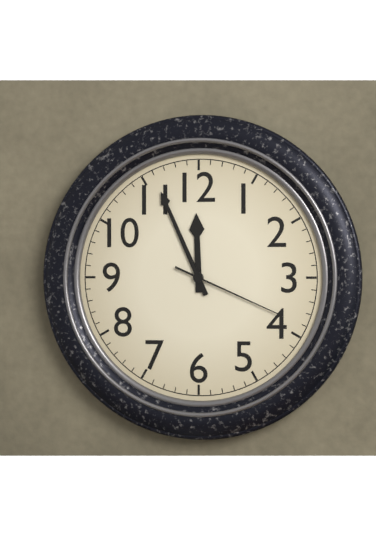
11:56:19
